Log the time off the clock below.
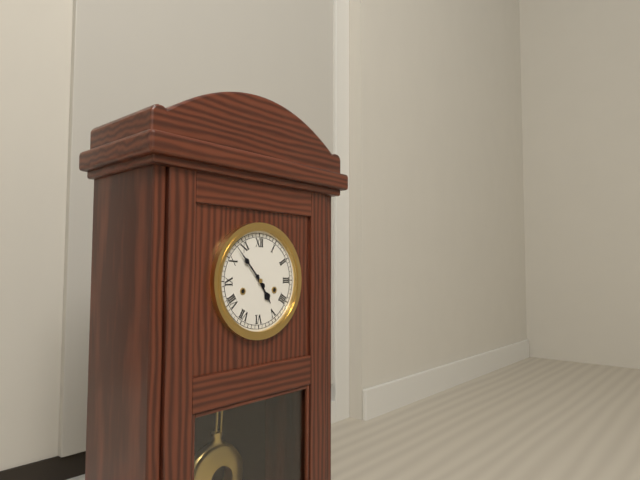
4:53
